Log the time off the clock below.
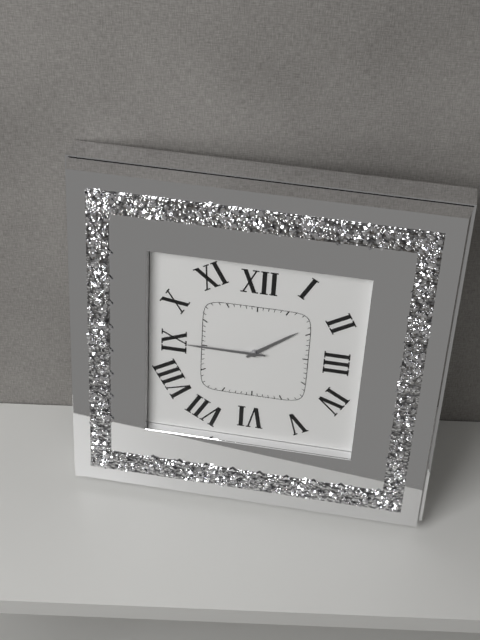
1:45
